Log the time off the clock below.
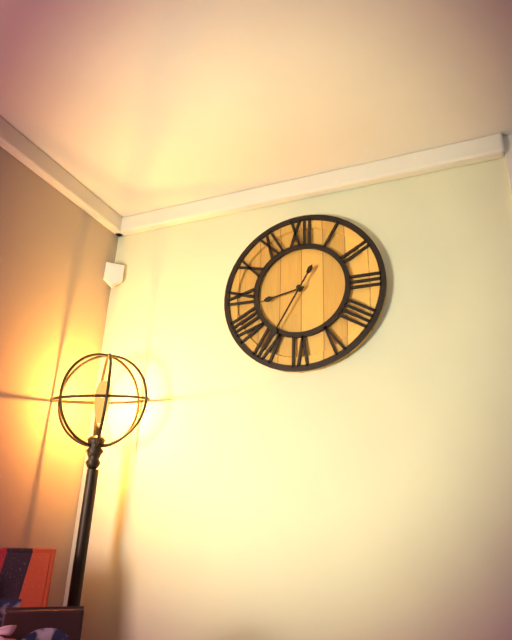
8:35
